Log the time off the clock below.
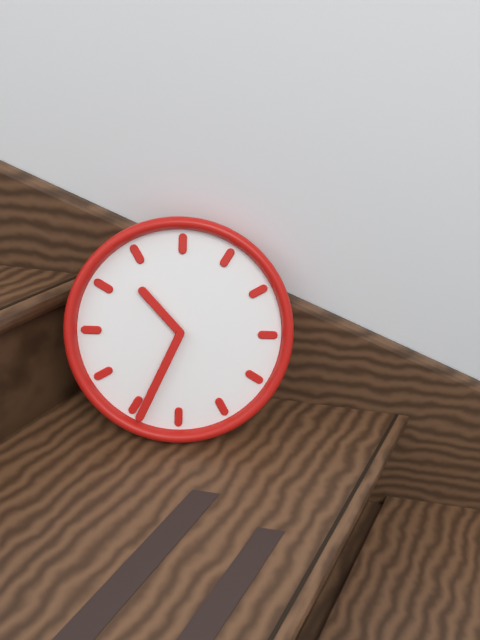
10:34
